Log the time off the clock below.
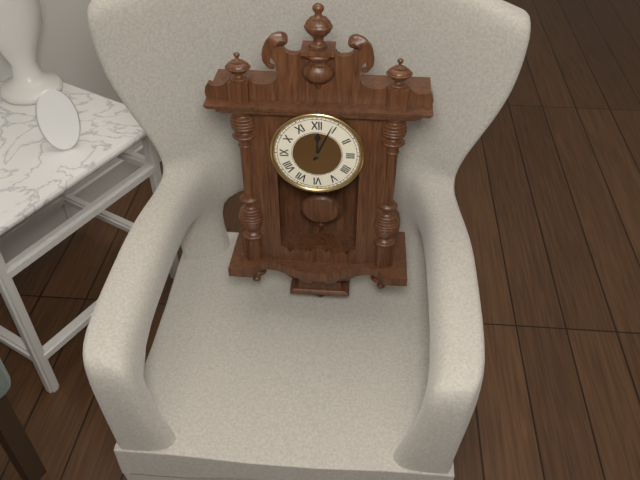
12:04
